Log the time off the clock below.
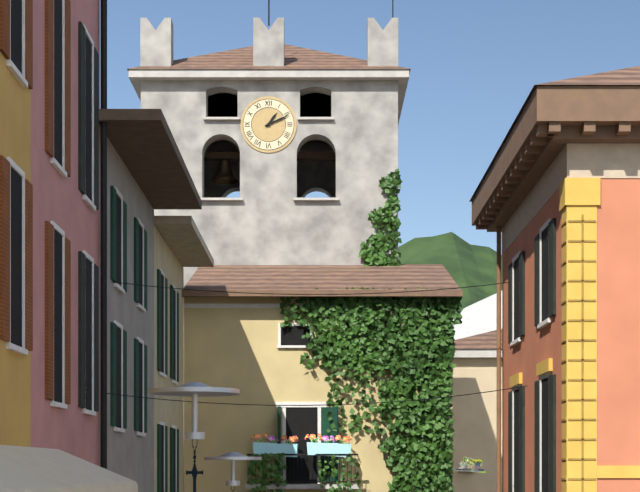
1:11
